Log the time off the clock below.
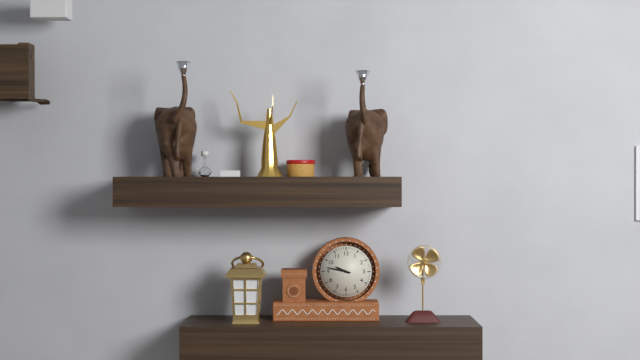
9:47
